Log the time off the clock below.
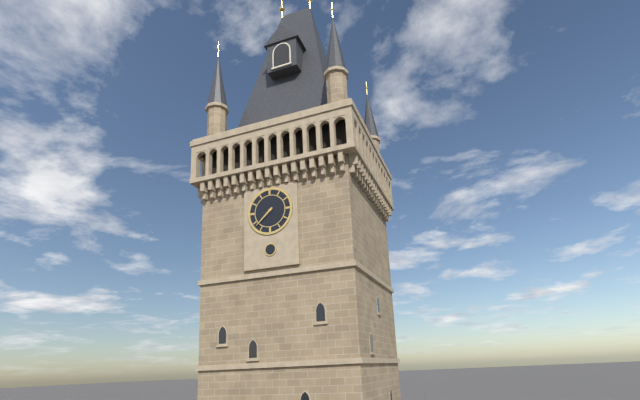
7:38
